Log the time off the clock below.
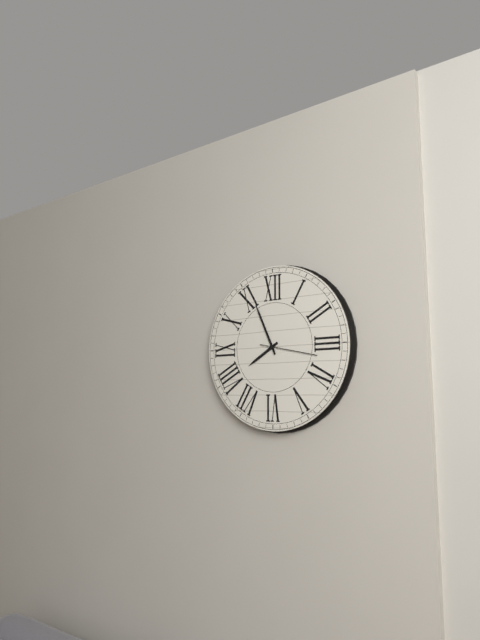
7:56:17
